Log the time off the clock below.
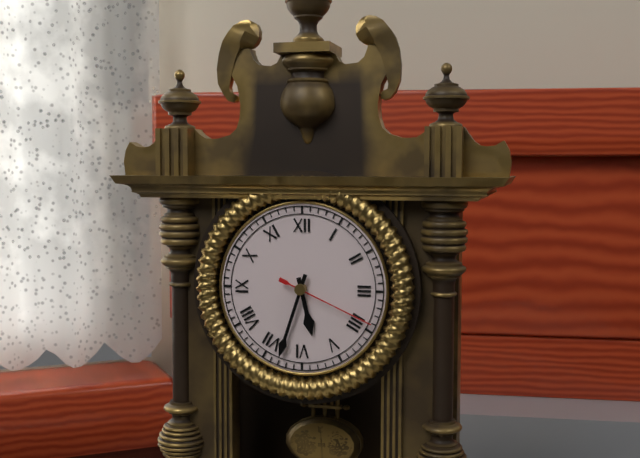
5:33:19
